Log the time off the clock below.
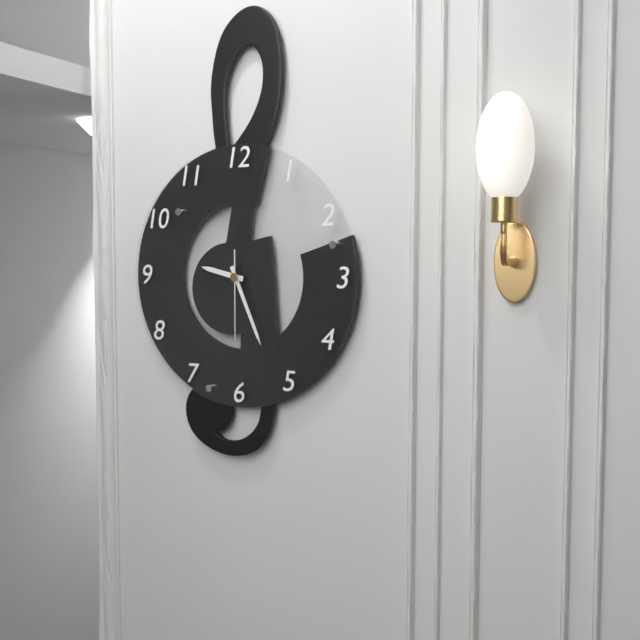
9:26:30
